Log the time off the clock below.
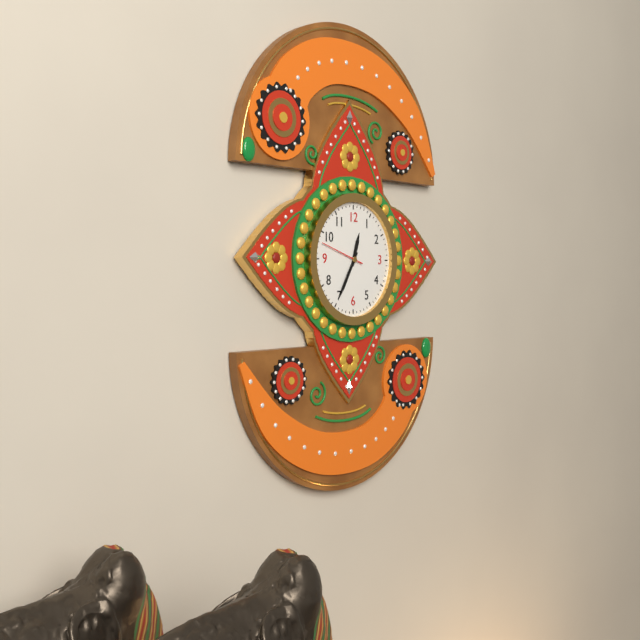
12:35
